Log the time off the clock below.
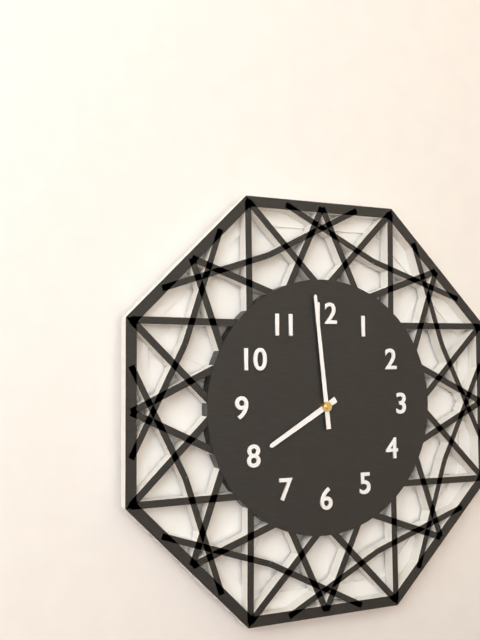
7:59
